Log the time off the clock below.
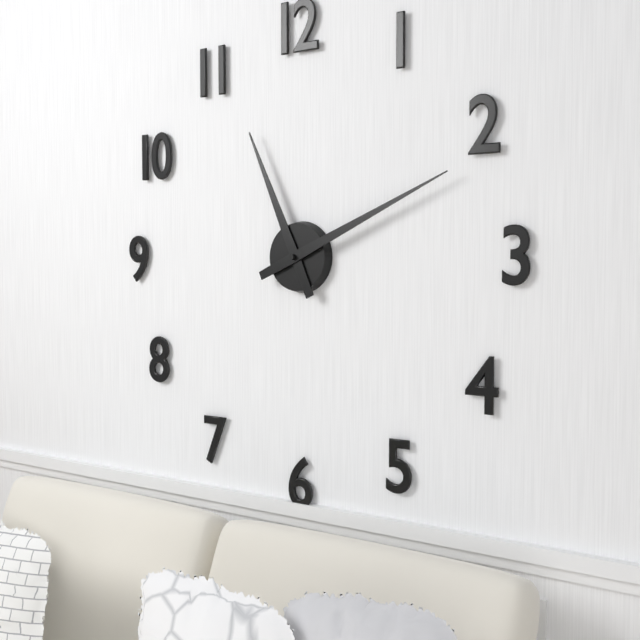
11:11
